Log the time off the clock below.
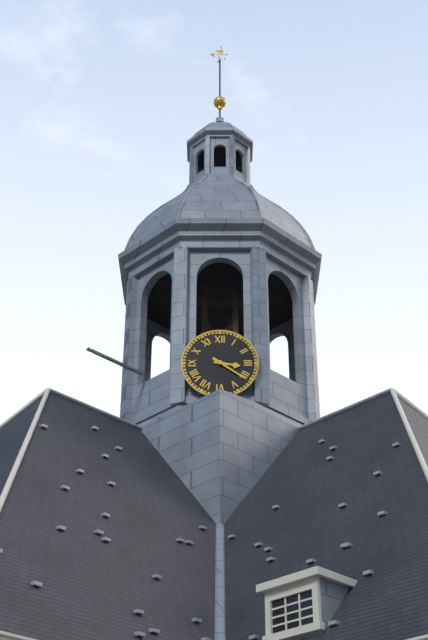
3:21
